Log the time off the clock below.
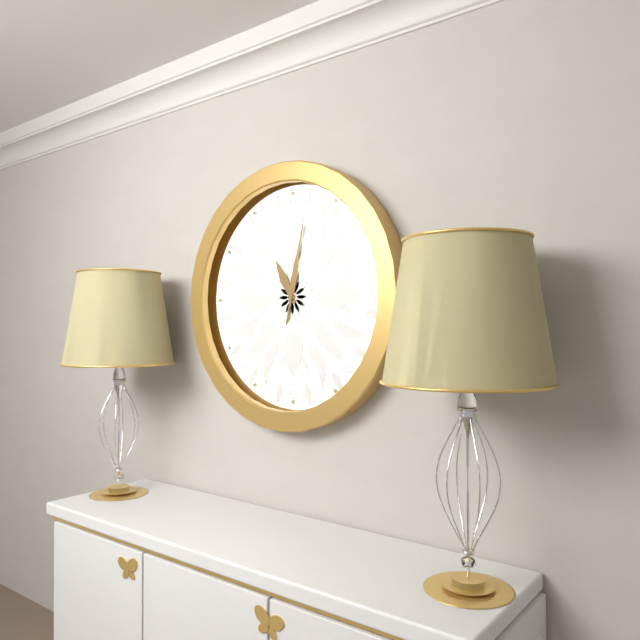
11:02
